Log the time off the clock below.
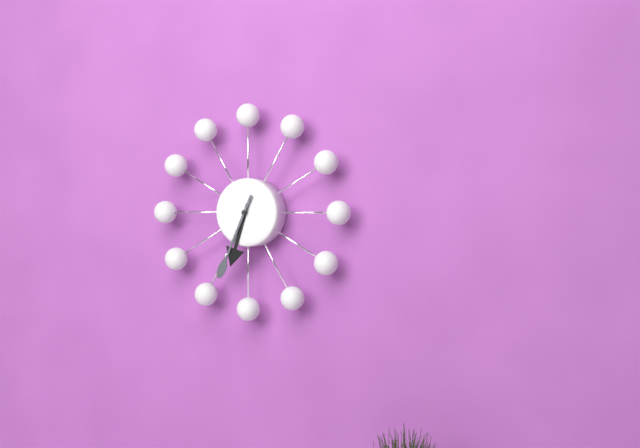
6:34
